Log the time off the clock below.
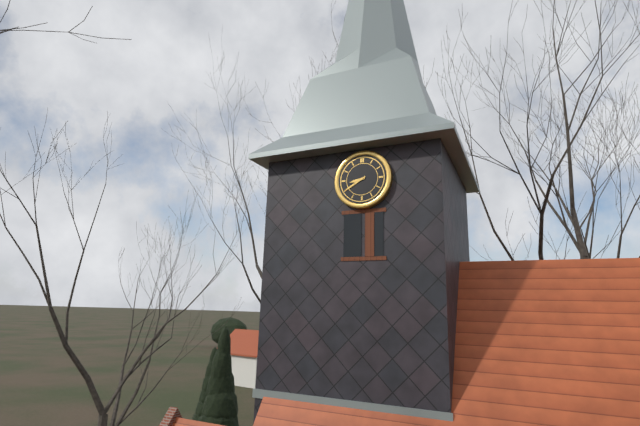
8:40
